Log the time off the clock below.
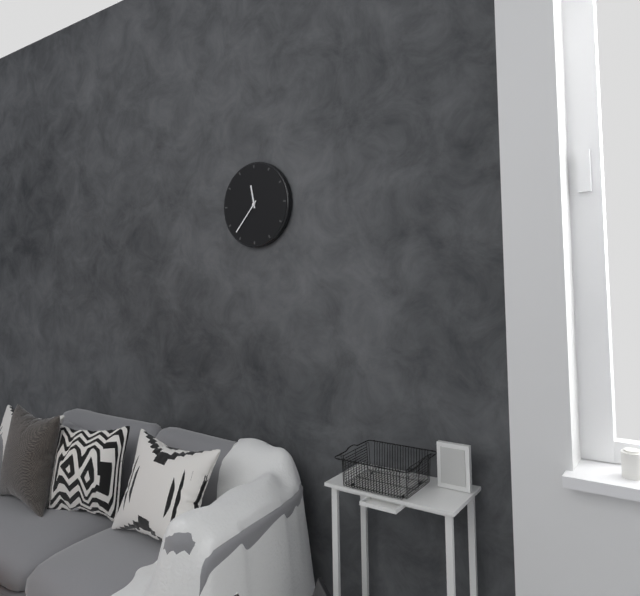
11:37
